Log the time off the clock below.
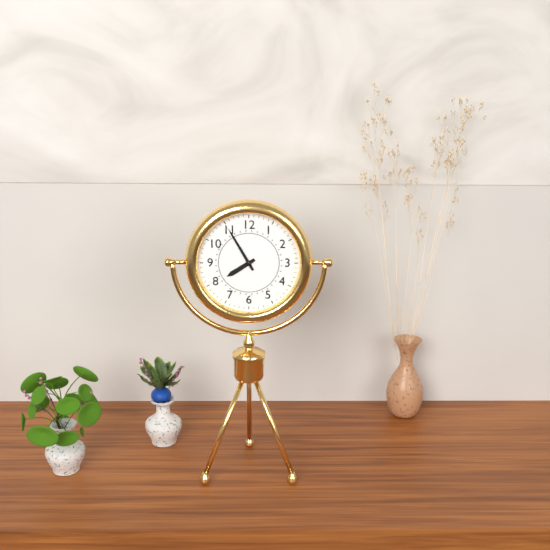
7:55
